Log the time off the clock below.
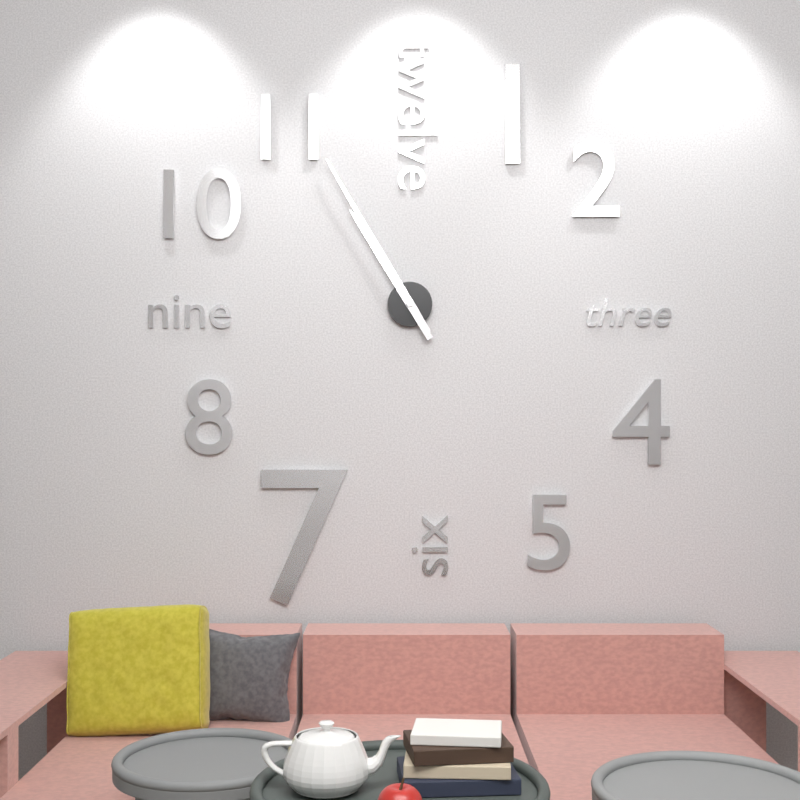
10:55
